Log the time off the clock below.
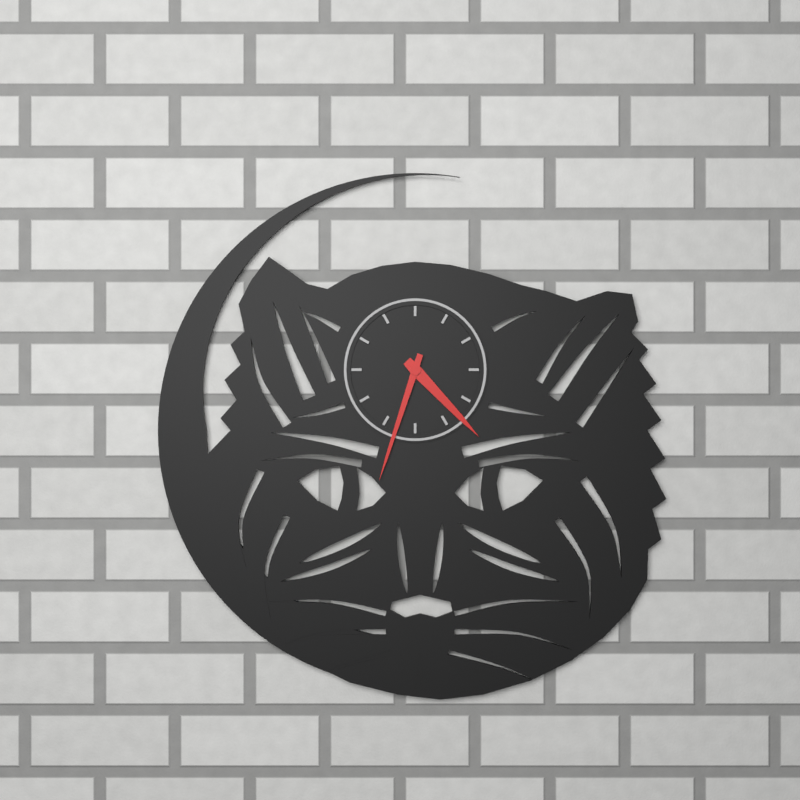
4:33
